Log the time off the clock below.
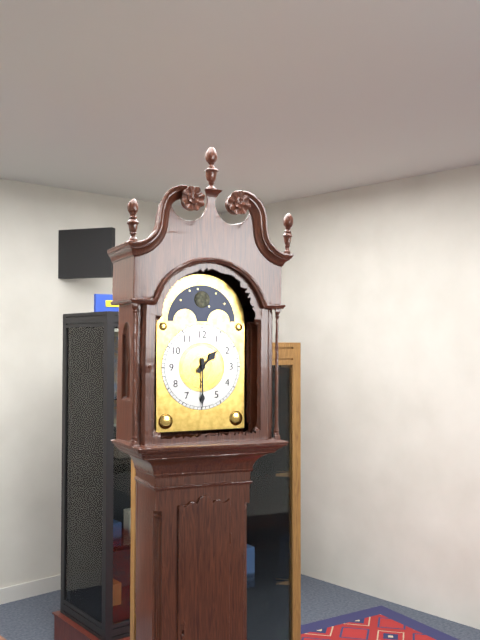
1:30
